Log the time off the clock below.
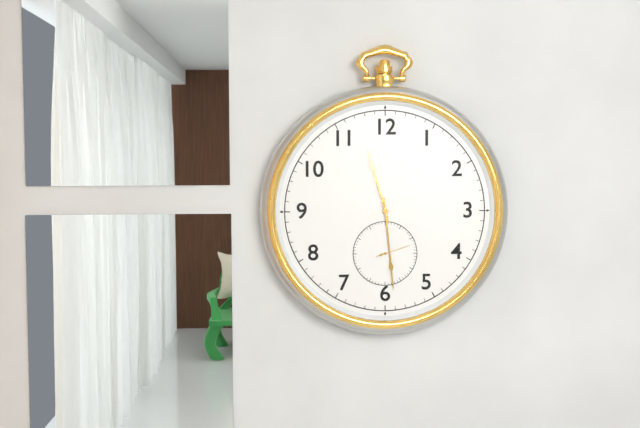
11:29
